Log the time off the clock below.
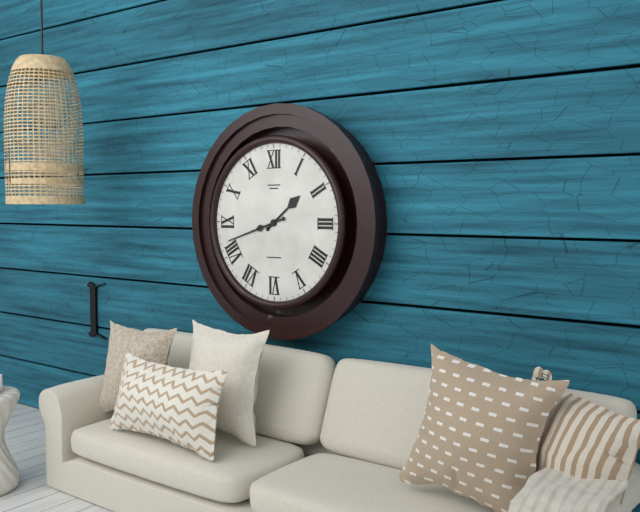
1:42
